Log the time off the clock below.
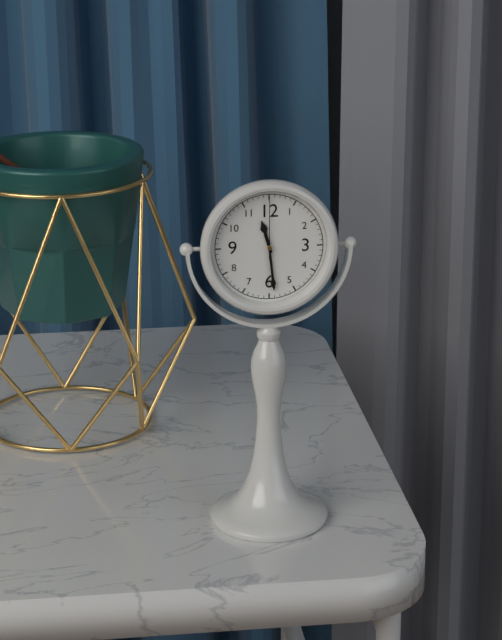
11:29:00
